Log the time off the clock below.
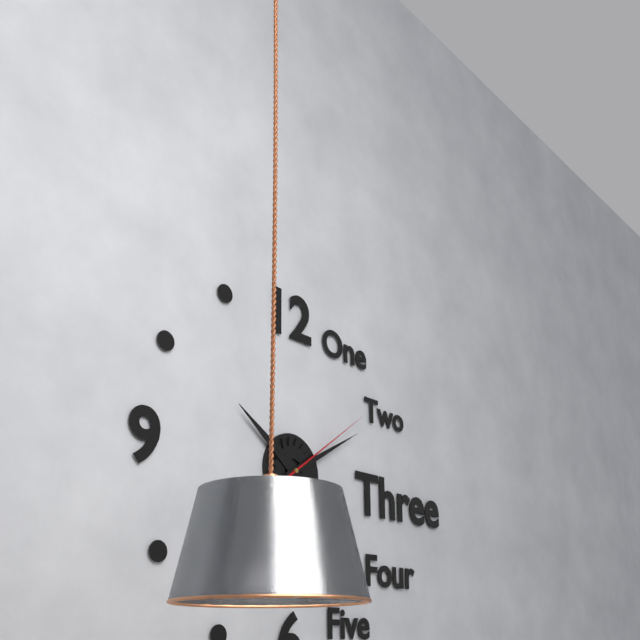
10:10:09
